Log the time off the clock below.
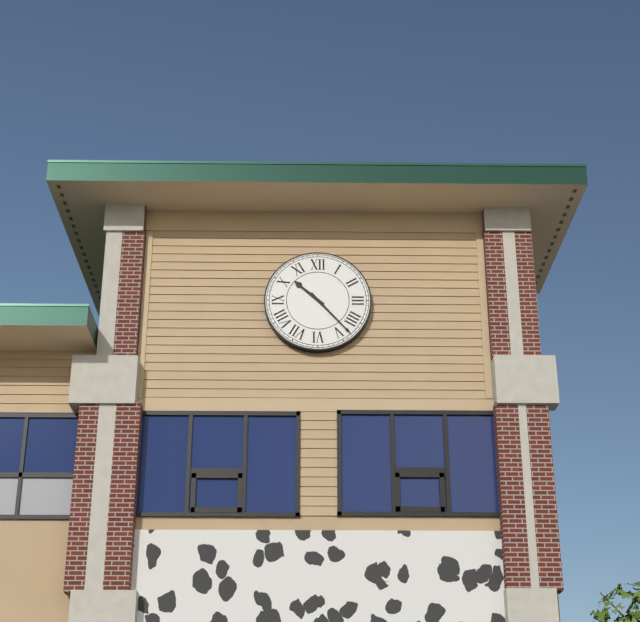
10:23
